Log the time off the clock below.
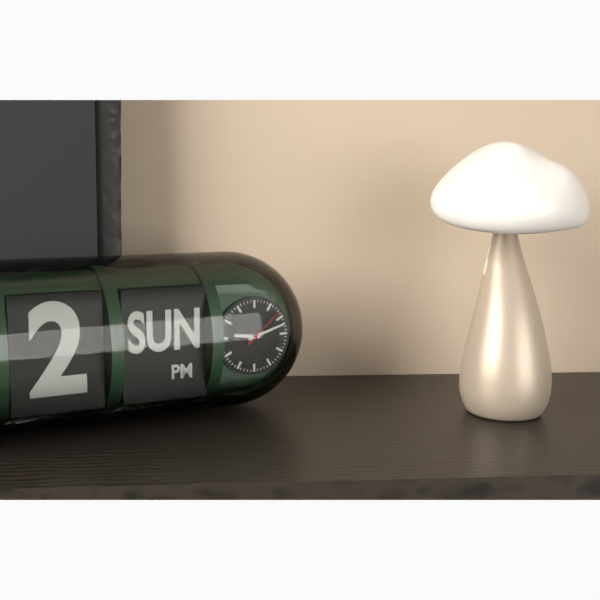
9:12
